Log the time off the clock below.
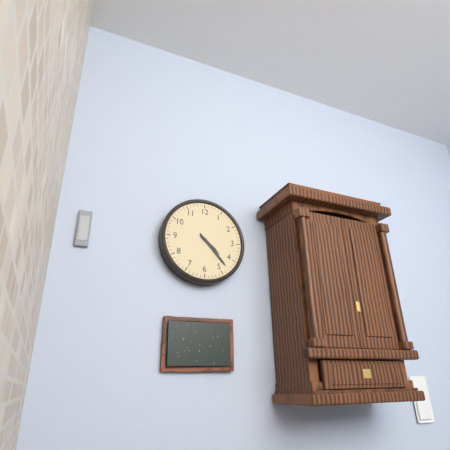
4:23
